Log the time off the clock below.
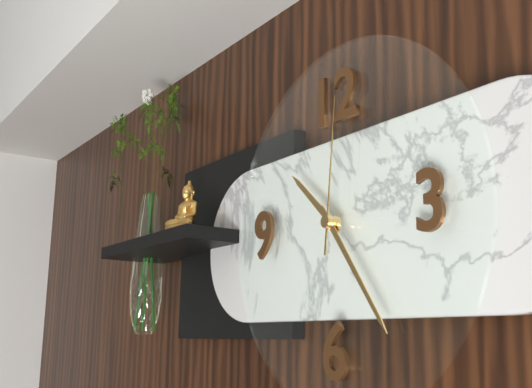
10:24:01
